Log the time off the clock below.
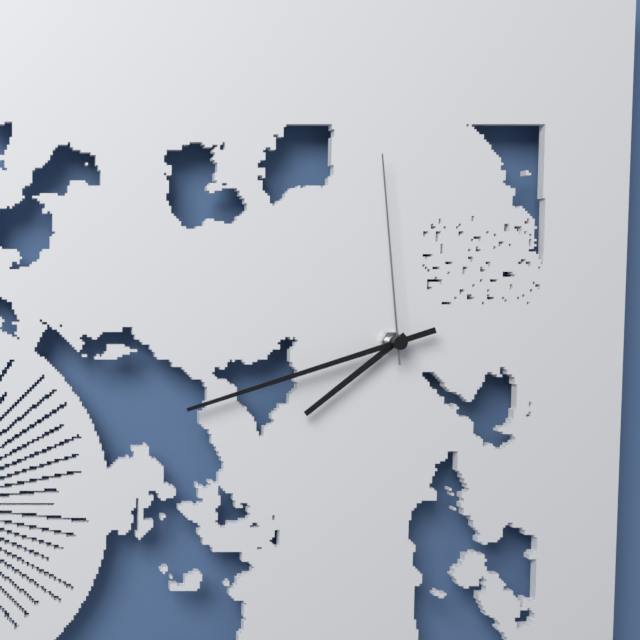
7:42:59
